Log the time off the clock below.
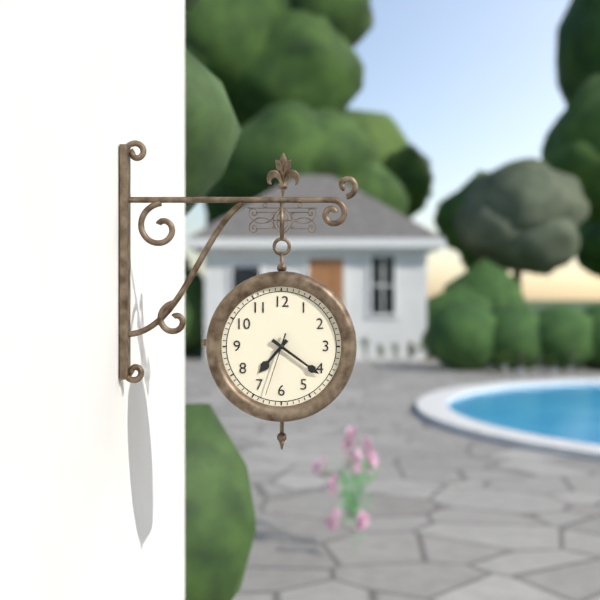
7:21:33
